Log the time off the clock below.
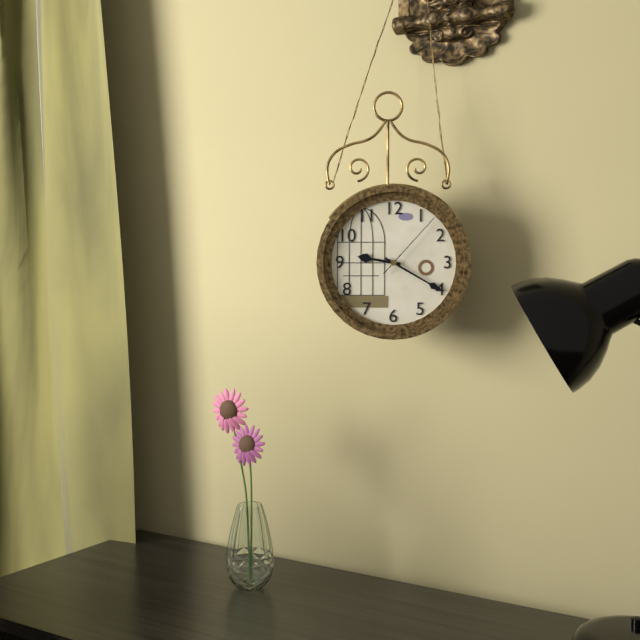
9:20:07
